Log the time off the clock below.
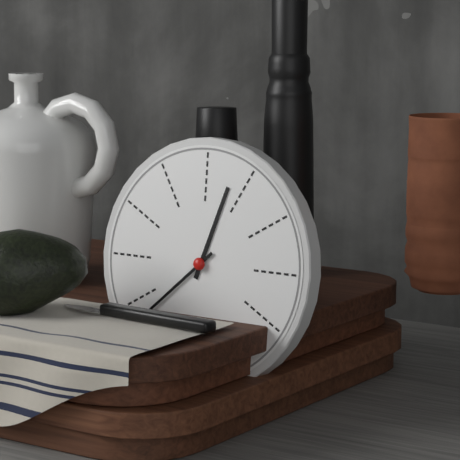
12:38
